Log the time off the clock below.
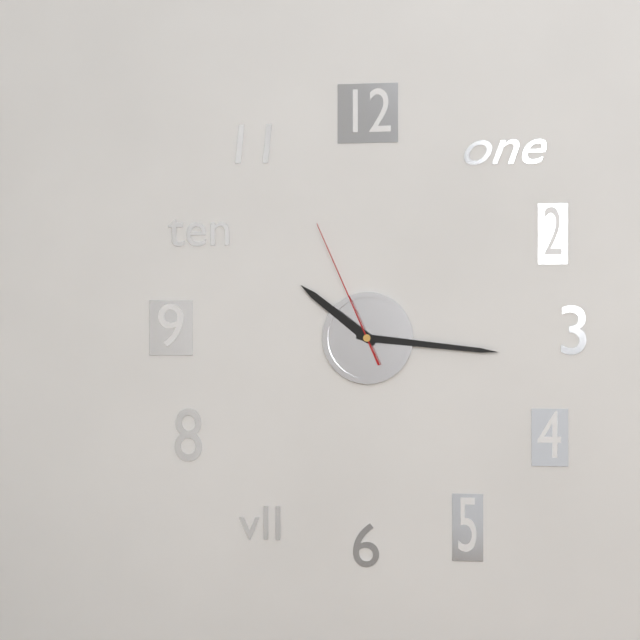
10:16:56
